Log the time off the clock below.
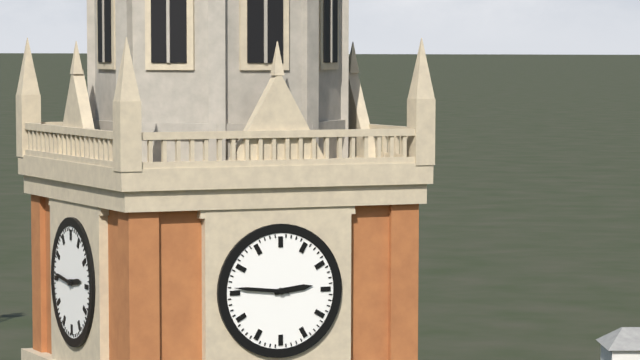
2:46
